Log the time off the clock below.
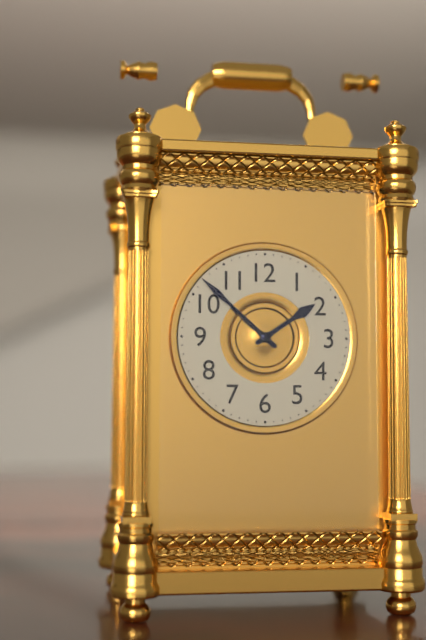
1:52
